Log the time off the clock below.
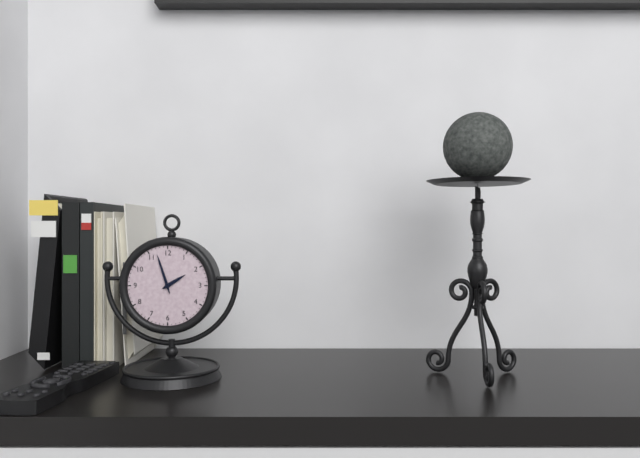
1:57
